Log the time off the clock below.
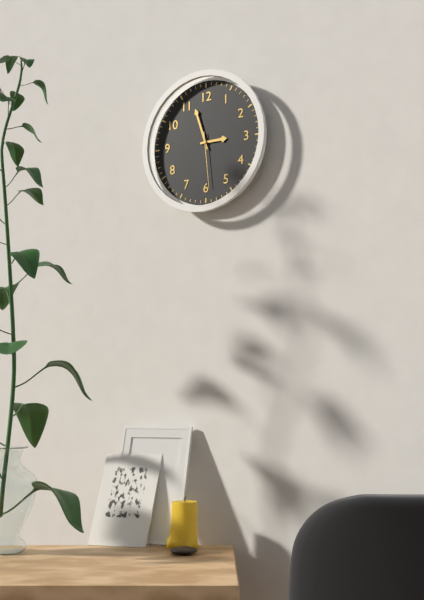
2:57:29
